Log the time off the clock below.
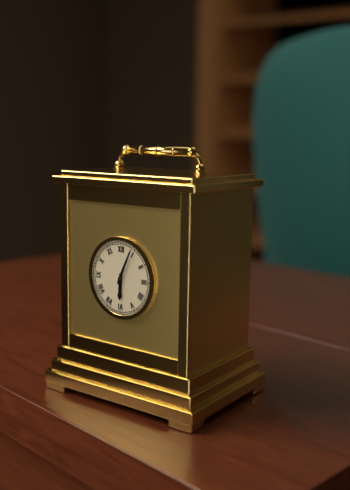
6:04
